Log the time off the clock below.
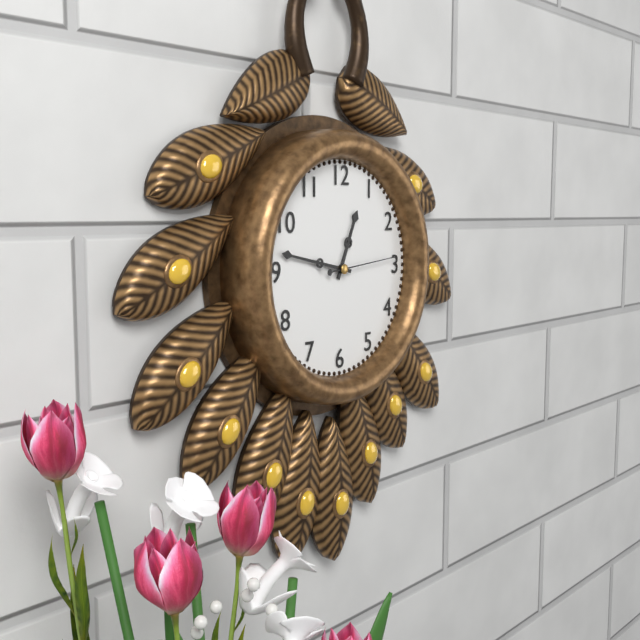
12:47:14
